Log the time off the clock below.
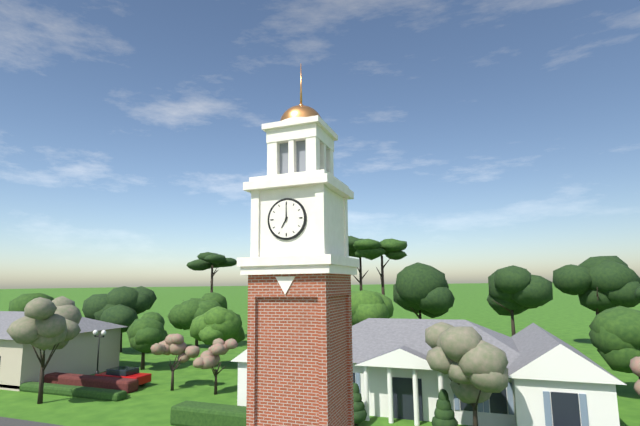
7:00
